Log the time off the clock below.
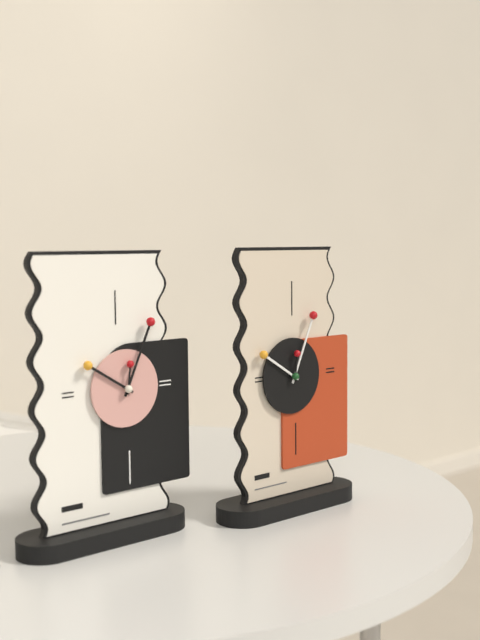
10:04
